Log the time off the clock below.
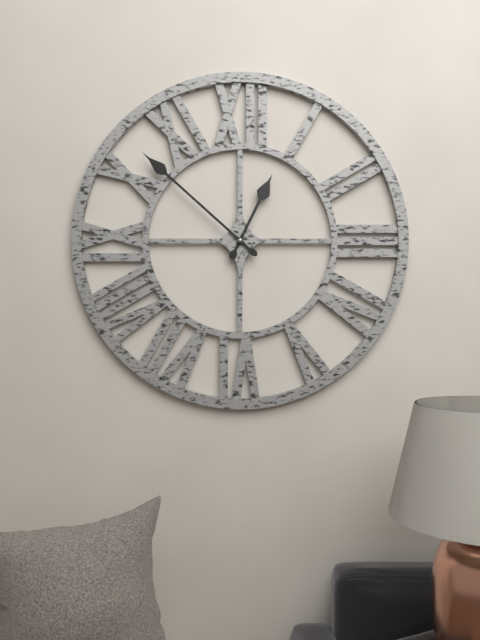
12:52
